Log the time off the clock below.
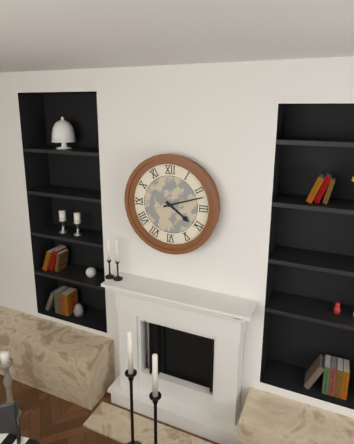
4:12
